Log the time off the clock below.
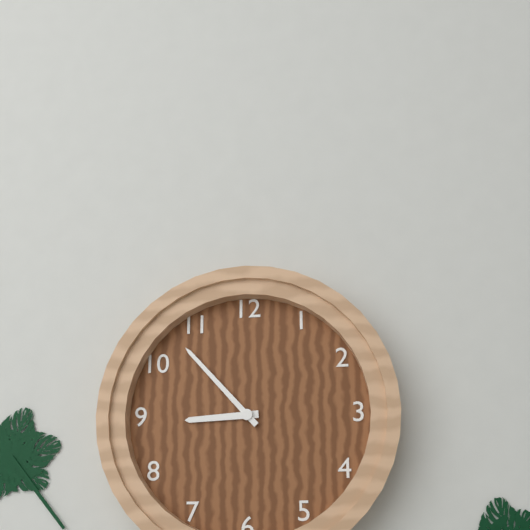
8:53
